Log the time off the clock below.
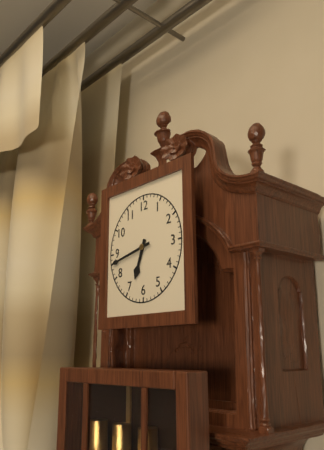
6:43
